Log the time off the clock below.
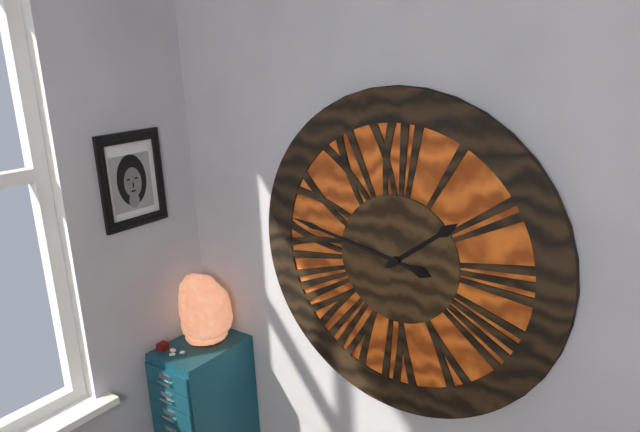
1:47
